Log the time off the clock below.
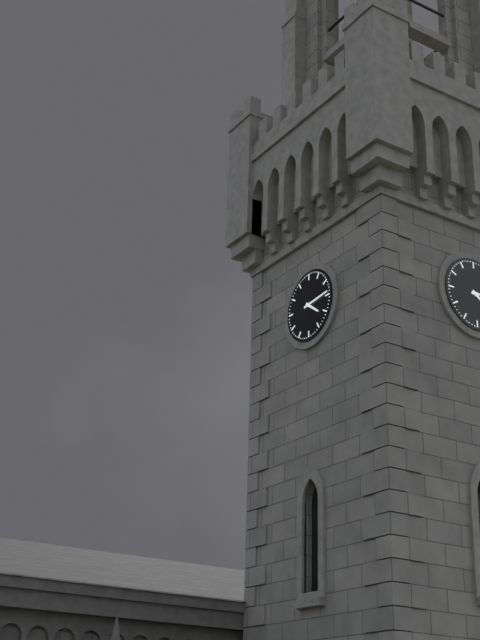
4:14
